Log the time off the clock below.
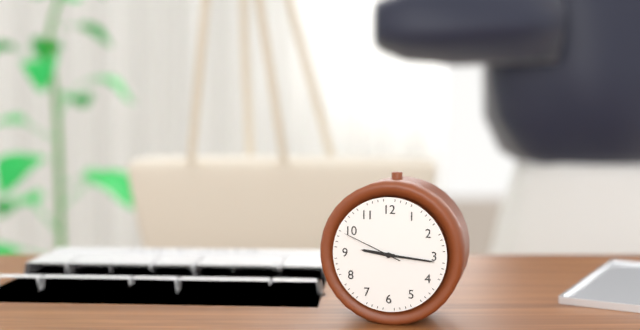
9:16:49
